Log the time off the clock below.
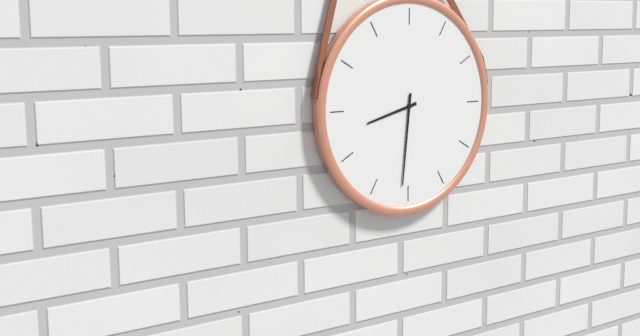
8:31
